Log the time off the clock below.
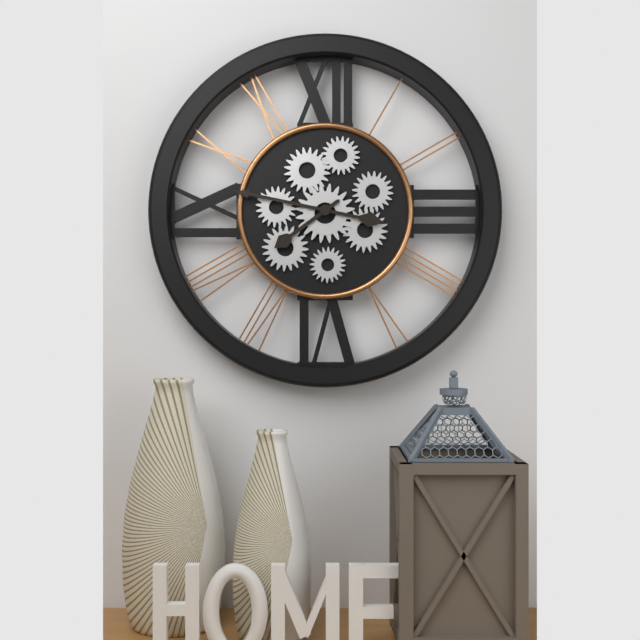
7:47
